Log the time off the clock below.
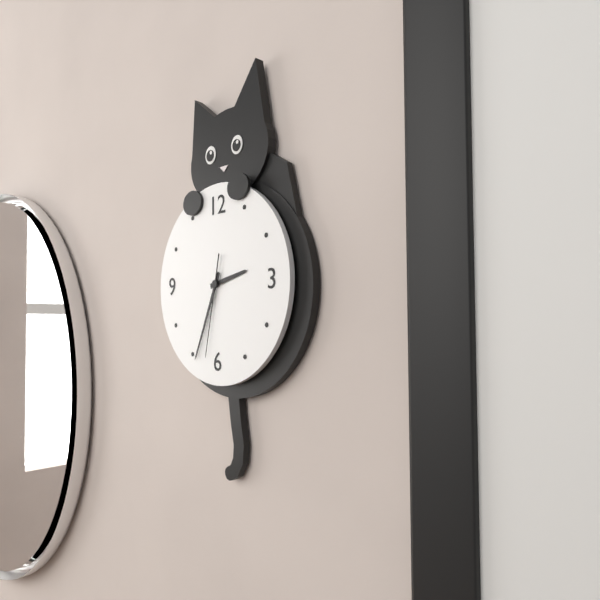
2:34:32
